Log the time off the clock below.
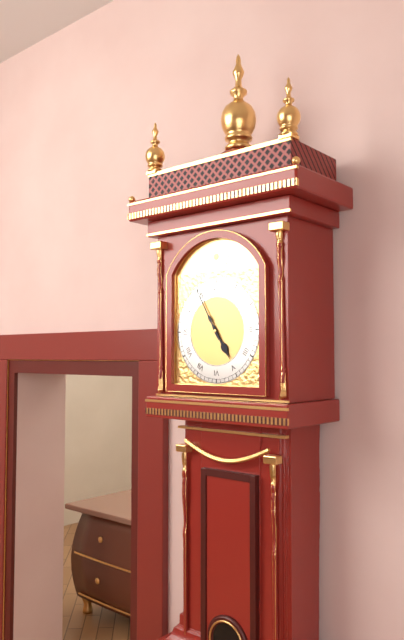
4:55
